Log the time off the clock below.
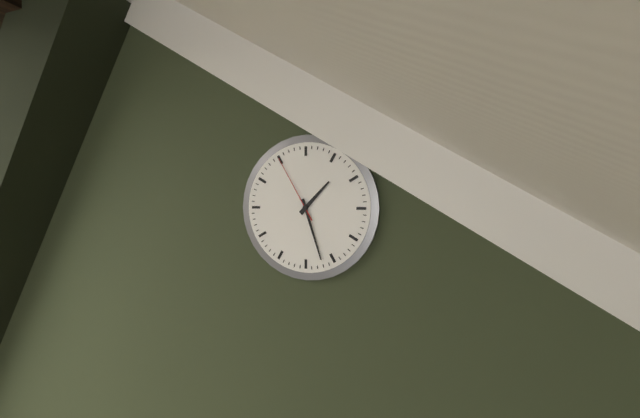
1:27:55
